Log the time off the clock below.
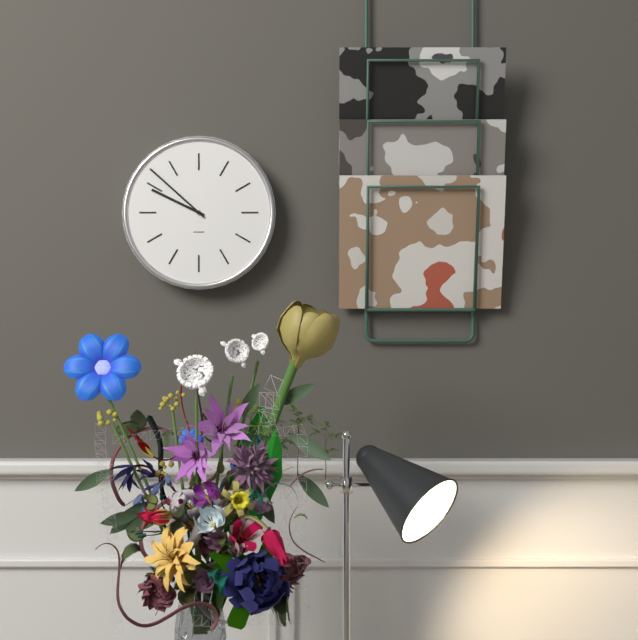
9:52
